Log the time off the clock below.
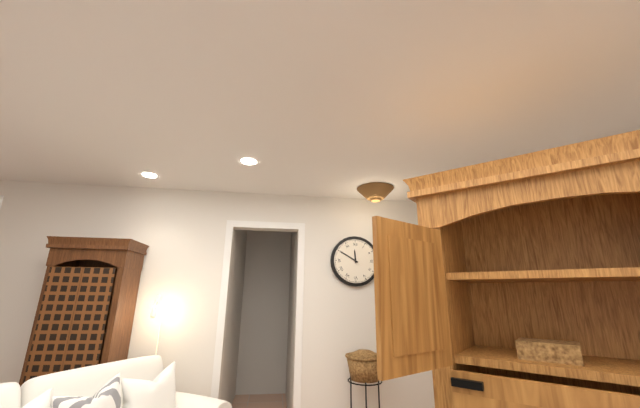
11:50
